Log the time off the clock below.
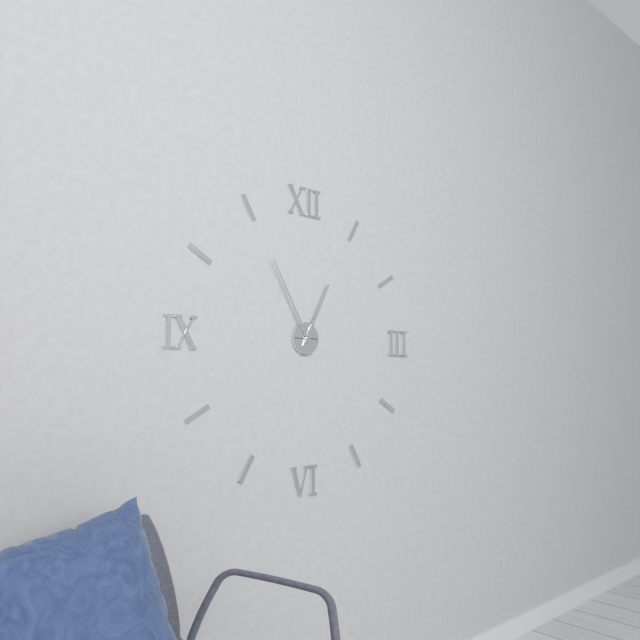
12:55
